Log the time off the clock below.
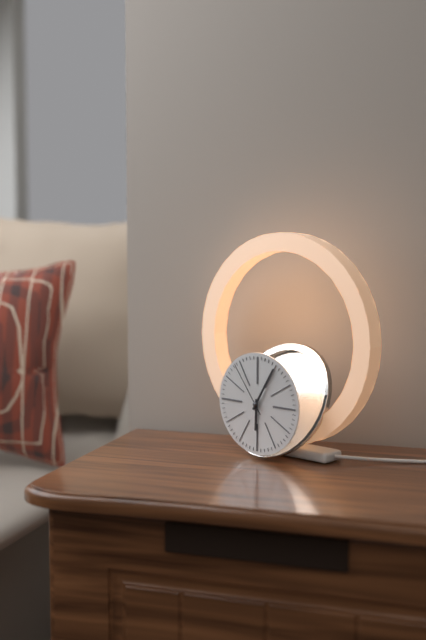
6:05:54
